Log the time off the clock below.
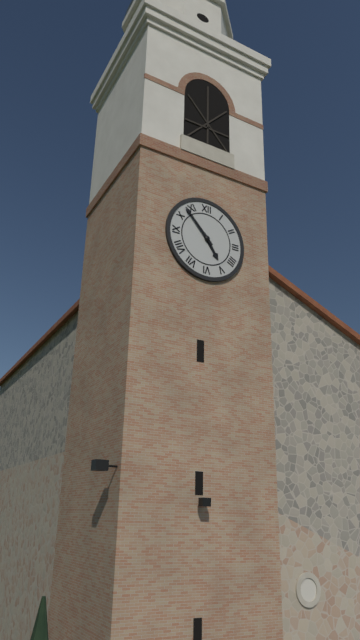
4:53
